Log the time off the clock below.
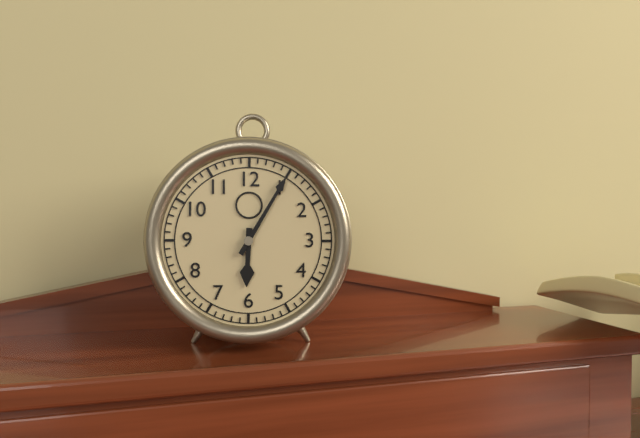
6:05
